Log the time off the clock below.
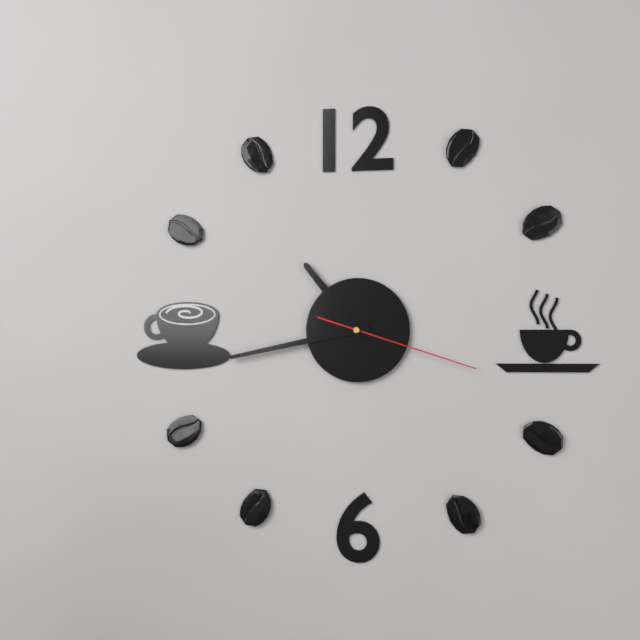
10:43:18
